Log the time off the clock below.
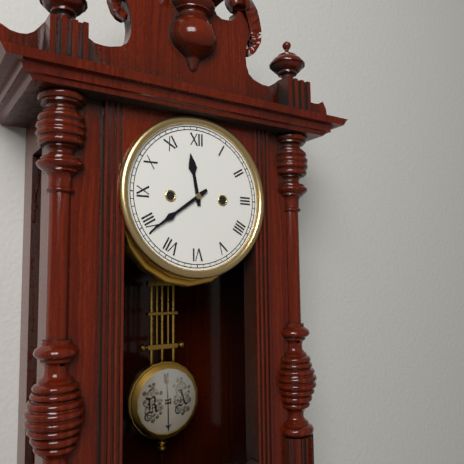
11:39
